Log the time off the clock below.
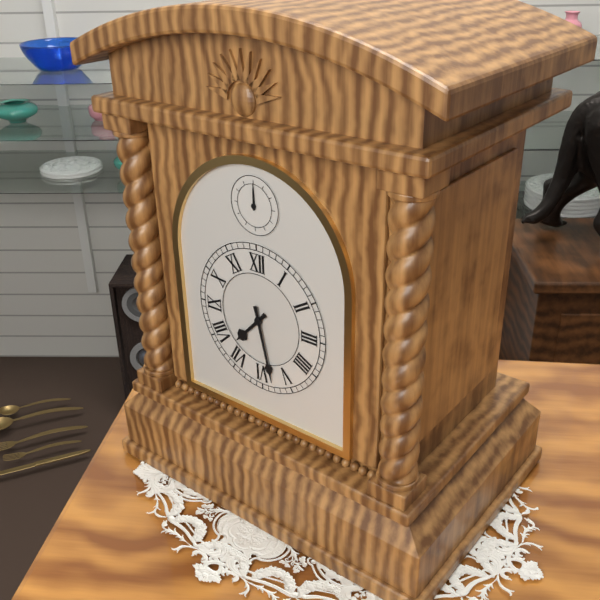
7:28
